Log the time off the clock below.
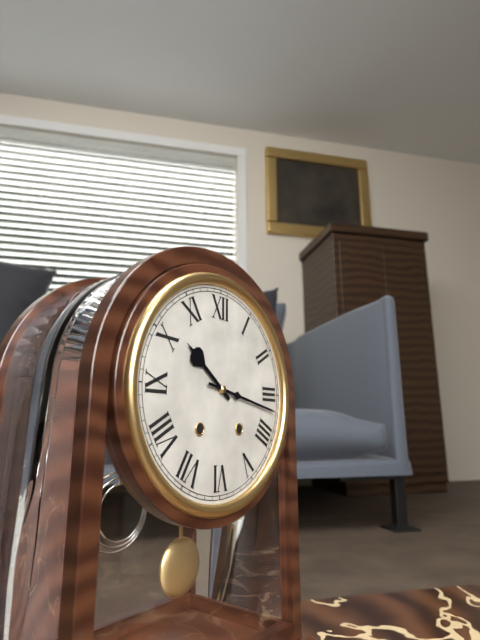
10:17
